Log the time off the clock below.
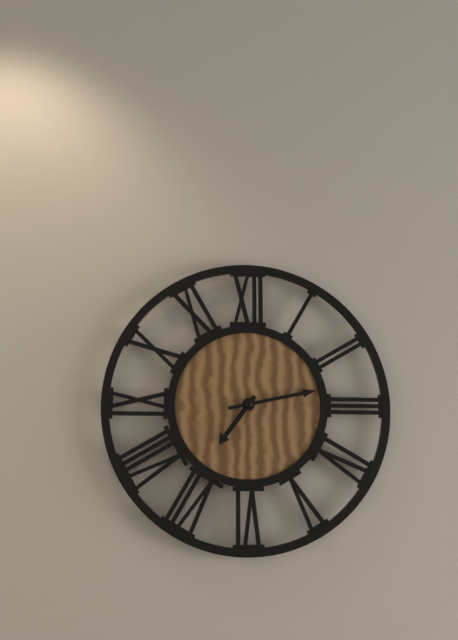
7:13
